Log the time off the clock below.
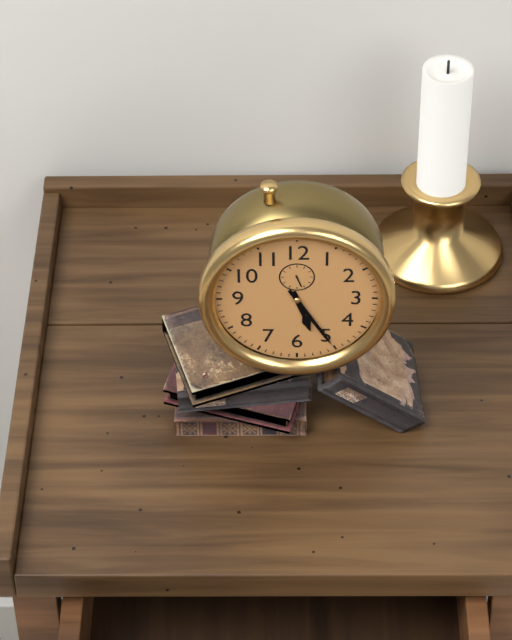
5:25
